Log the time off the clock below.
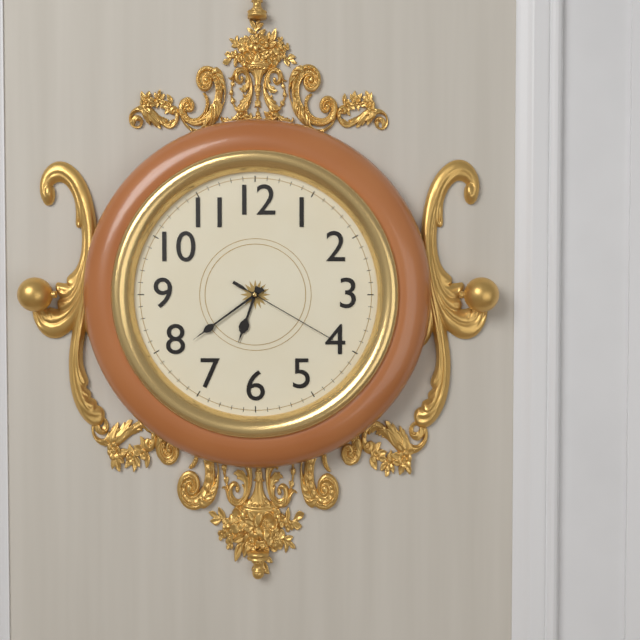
6:39:20
